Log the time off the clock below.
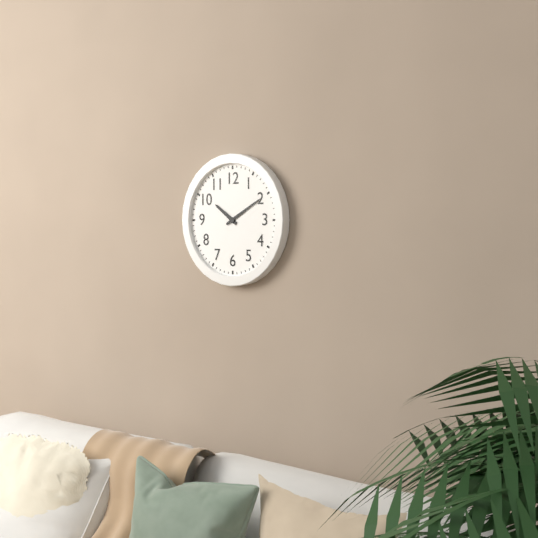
10:10
